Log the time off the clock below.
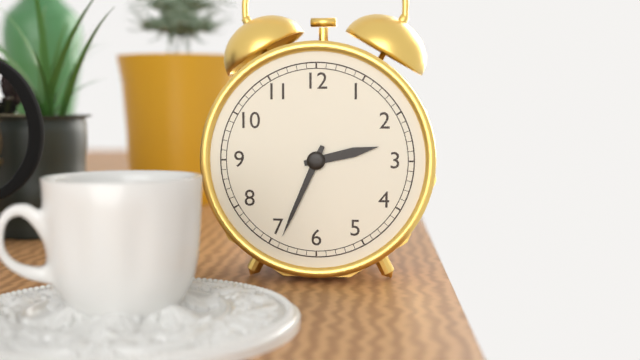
2:34
